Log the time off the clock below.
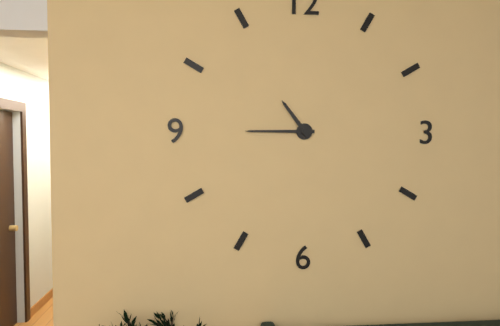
10:45
